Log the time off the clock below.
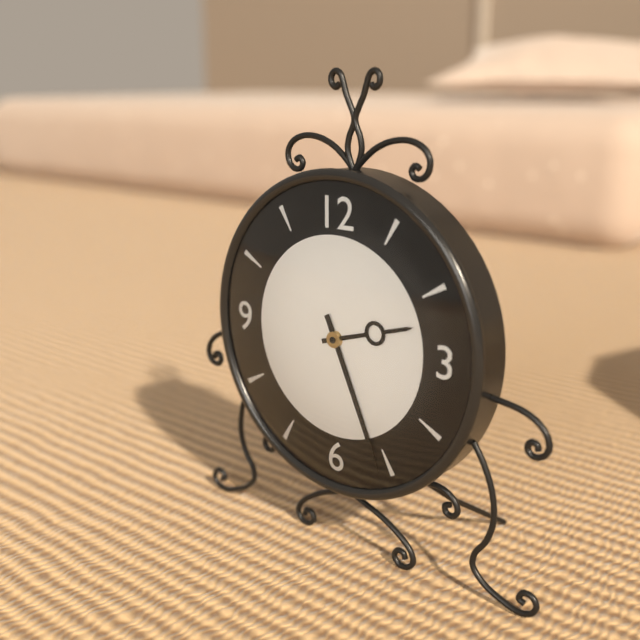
2:26
